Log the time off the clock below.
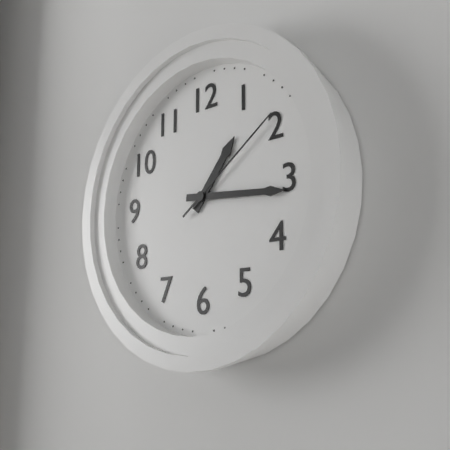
1:16:09
